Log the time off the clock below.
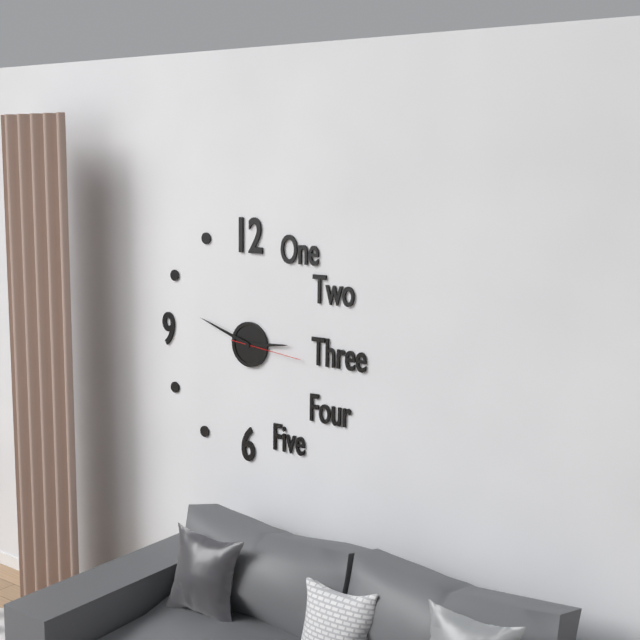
2:48:16
